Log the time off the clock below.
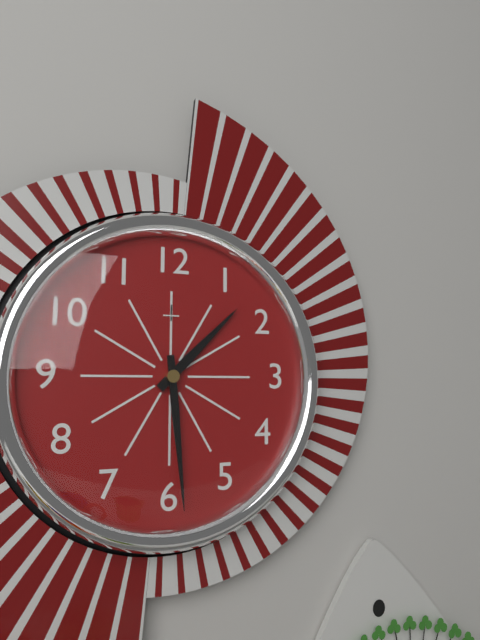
1:29
